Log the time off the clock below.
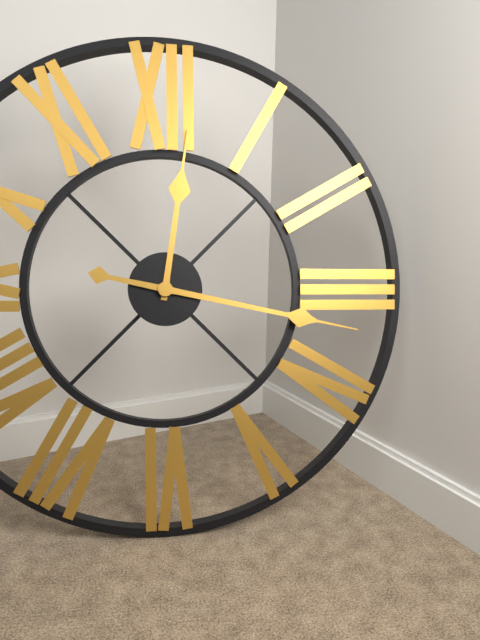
12:17
